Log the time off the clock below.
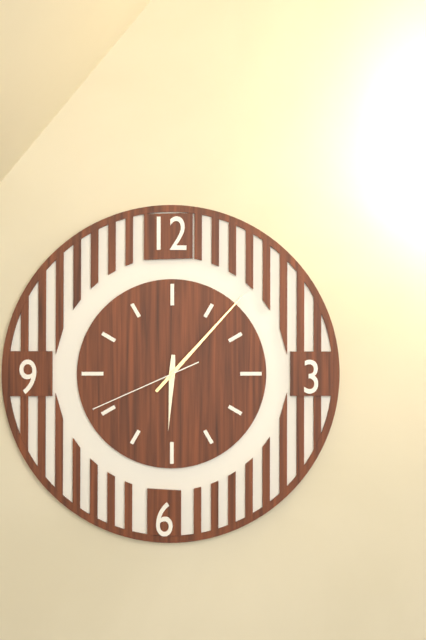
6:07:41
